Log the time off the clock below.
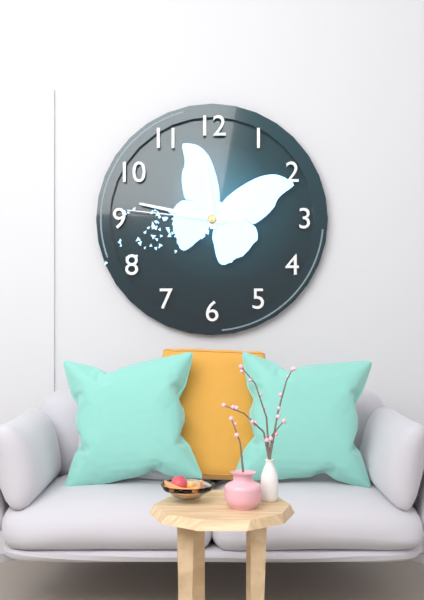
11:47:46
